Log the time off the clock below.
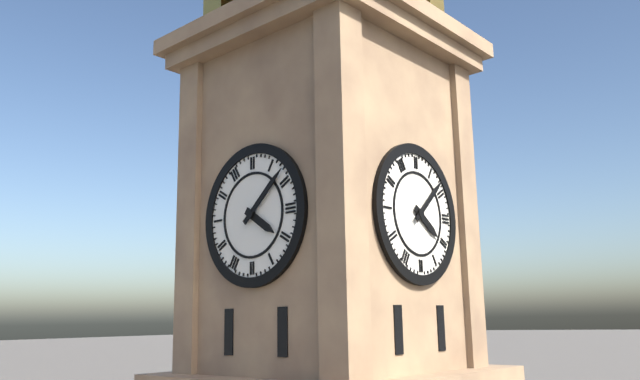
4:08
